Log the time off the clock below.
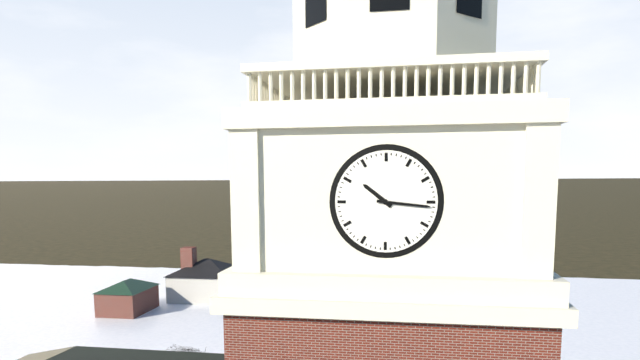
10:16
